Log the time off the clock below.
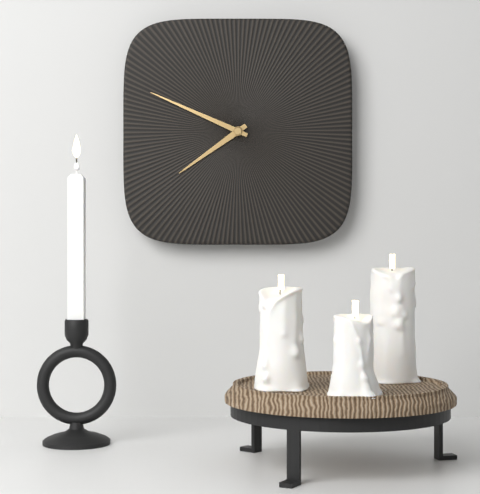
7:49
